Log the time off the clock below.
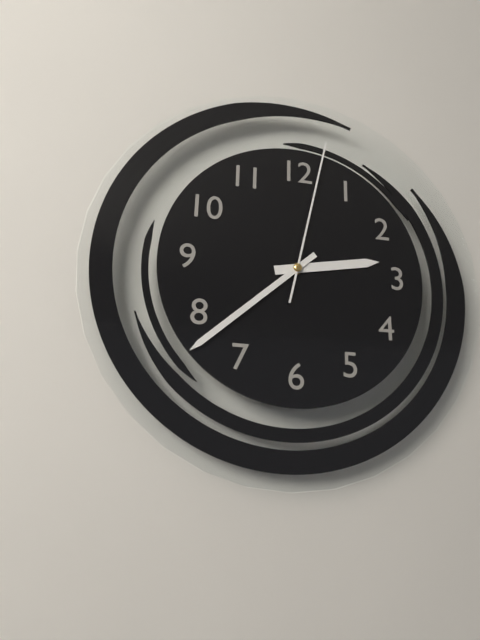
2:38:02
